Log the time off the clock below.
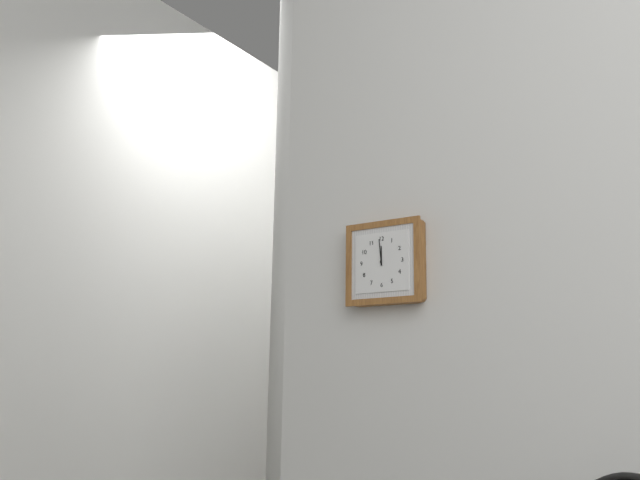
11:59
